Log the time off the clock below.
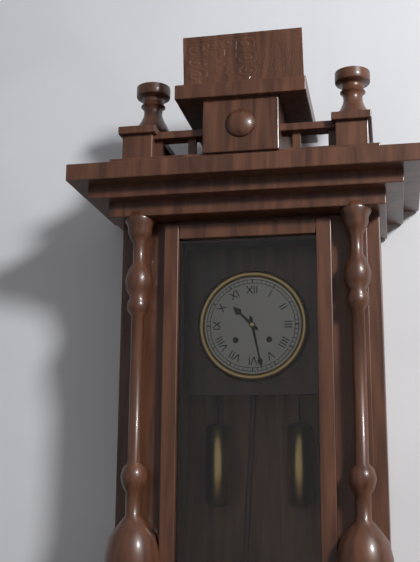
10:28
